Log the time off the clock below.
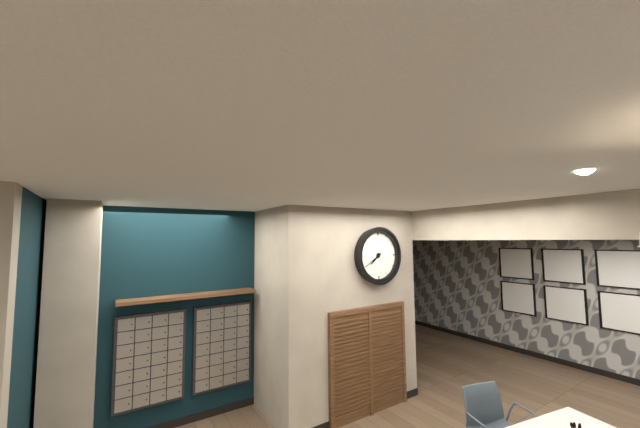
7:40
